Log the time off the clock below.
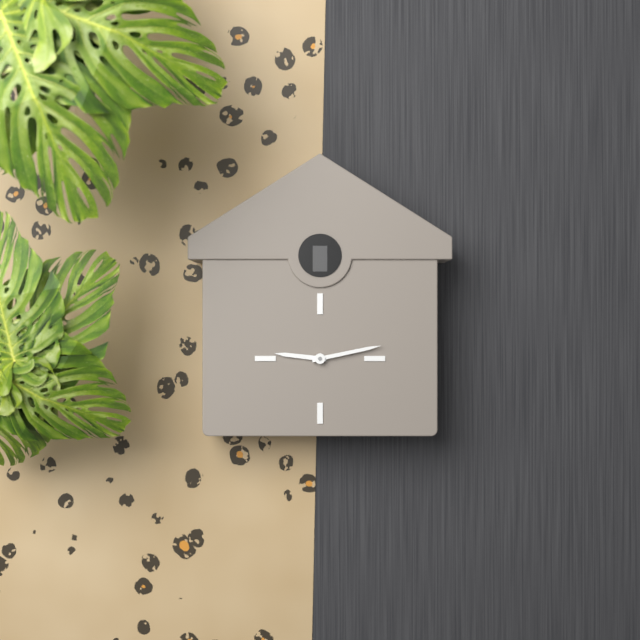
9:13
